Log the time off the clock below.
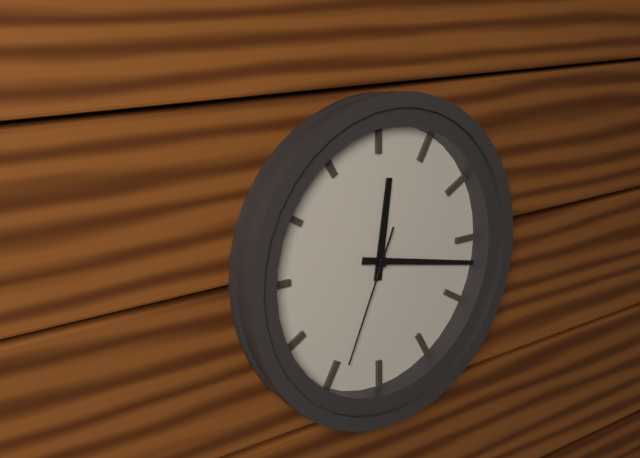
12:17:34
